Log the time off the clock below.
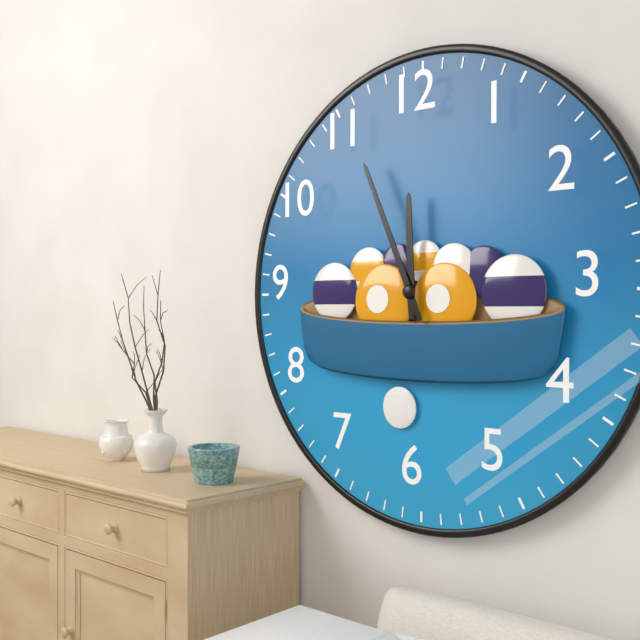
11:56
